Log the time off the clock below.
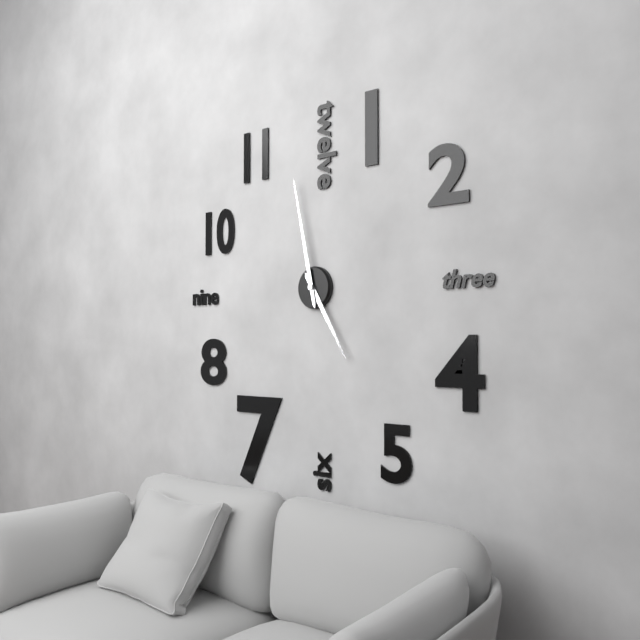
4:58
